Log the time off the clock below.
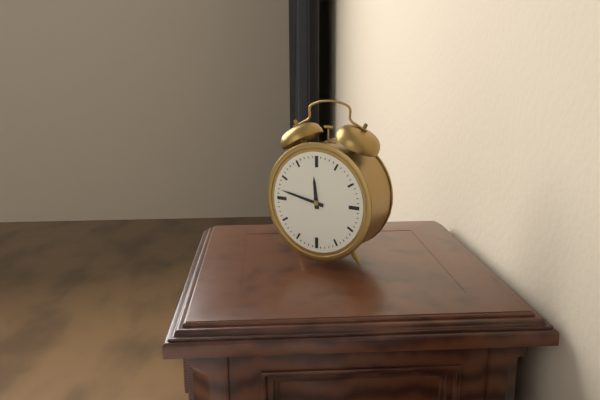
11:47
